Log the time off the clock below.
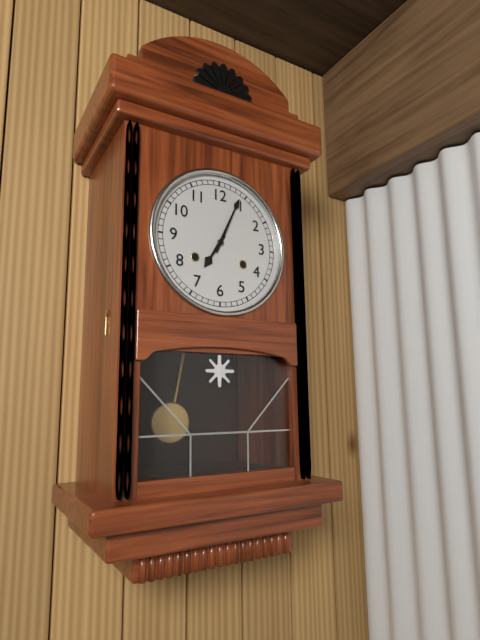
7:04
